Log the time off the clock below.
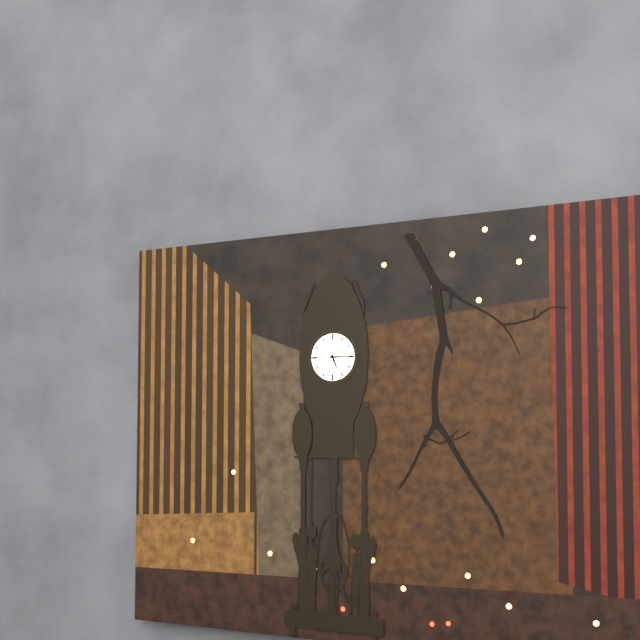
5:15
